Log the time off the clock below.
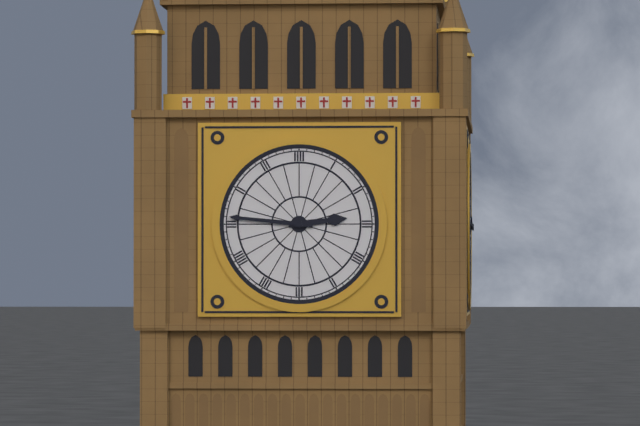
2:46
